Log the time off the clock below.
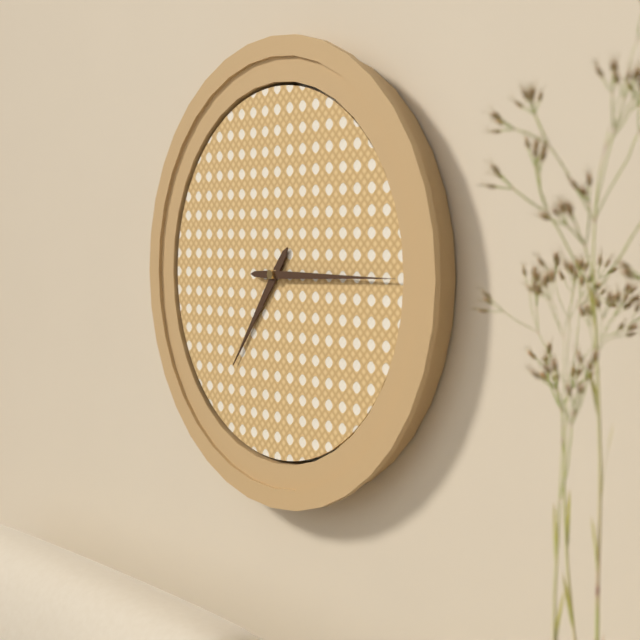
7:15
